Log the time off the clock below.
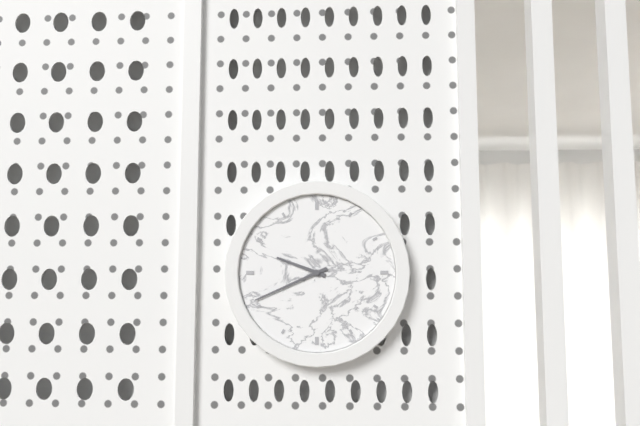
9:41
